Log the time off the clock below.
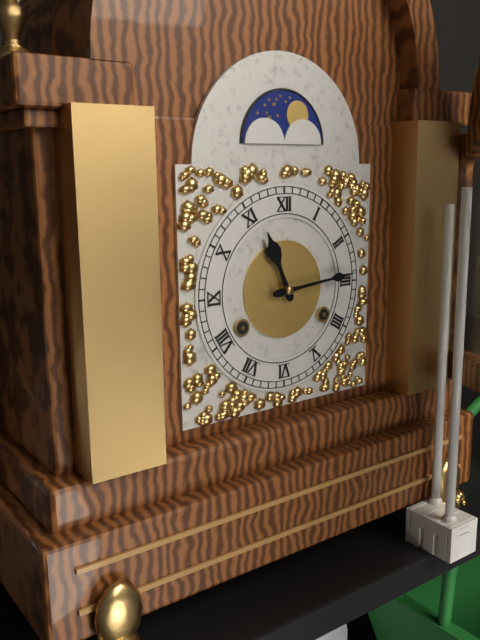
11:14
